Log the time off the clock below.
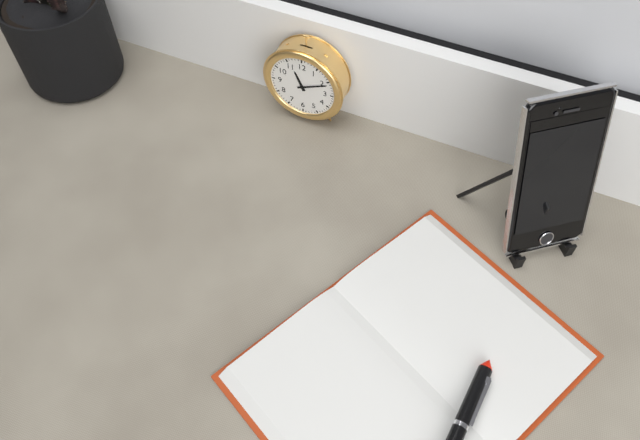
11:11
